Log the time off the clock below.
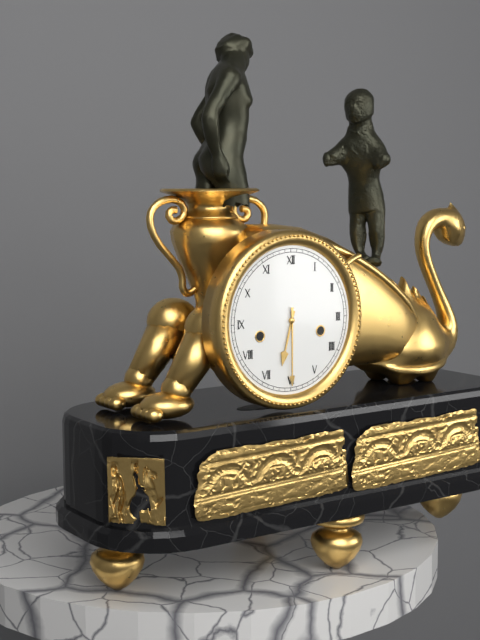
6:30
